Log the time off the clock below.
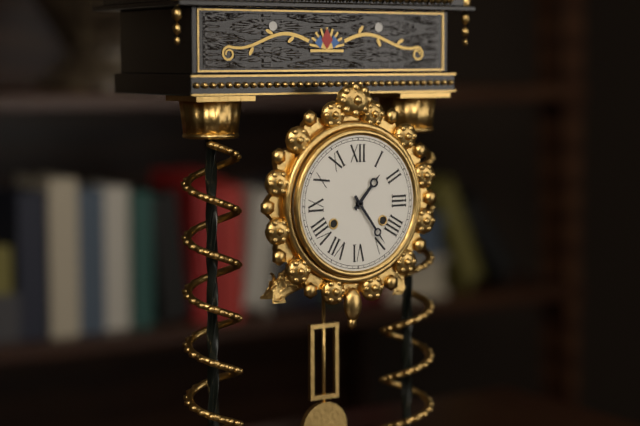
1:24
